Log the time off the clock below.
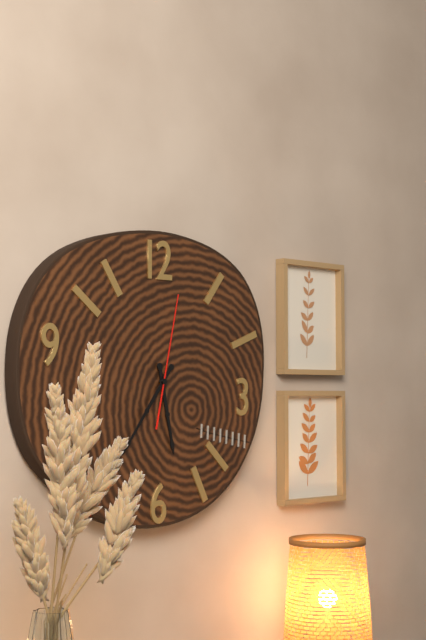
5:36:02
